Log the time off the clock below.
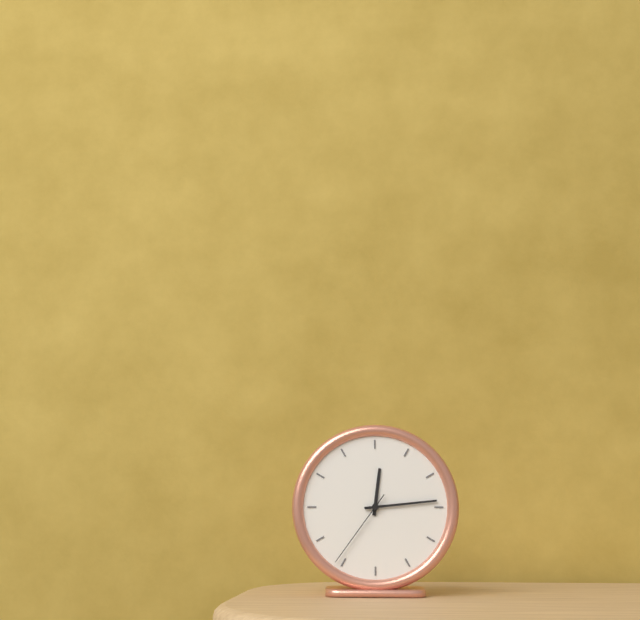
12:14:36
